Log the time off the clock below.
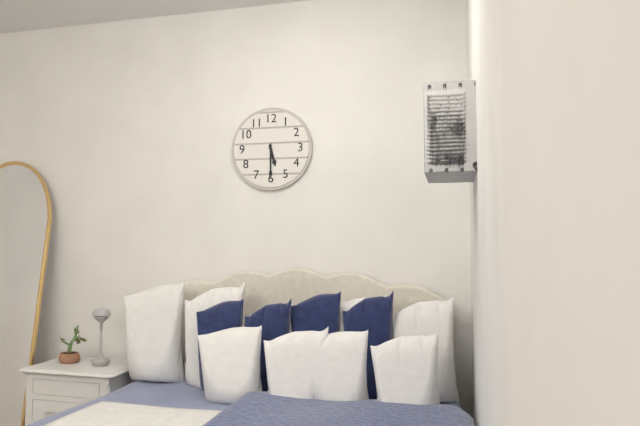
5:30
